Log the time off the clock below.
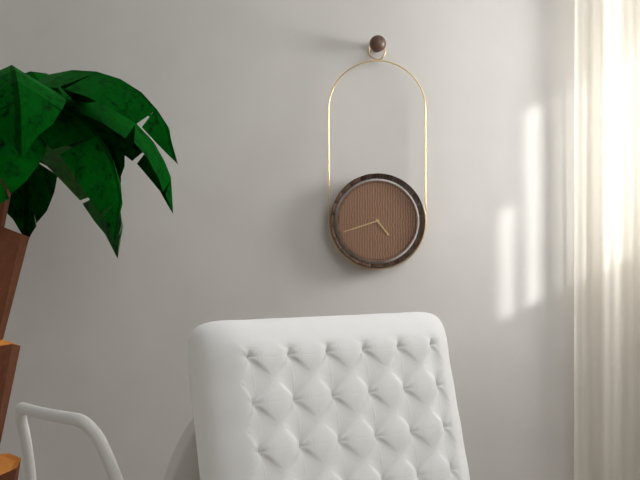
4:42
